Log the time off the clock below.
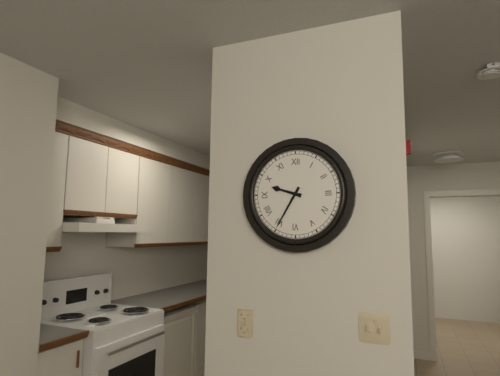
9:35
